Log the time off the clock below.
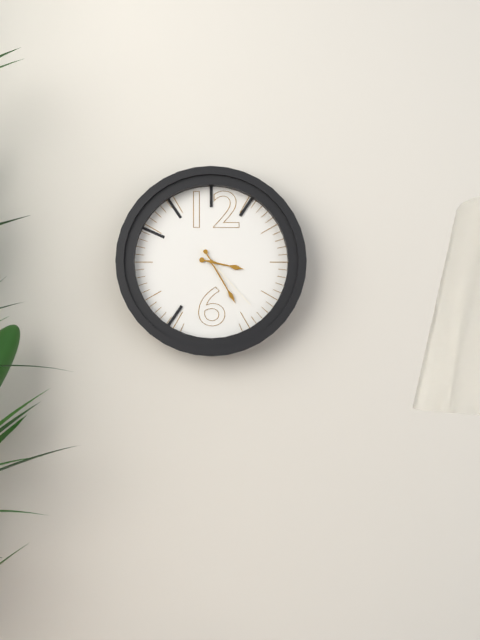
3:25:23
